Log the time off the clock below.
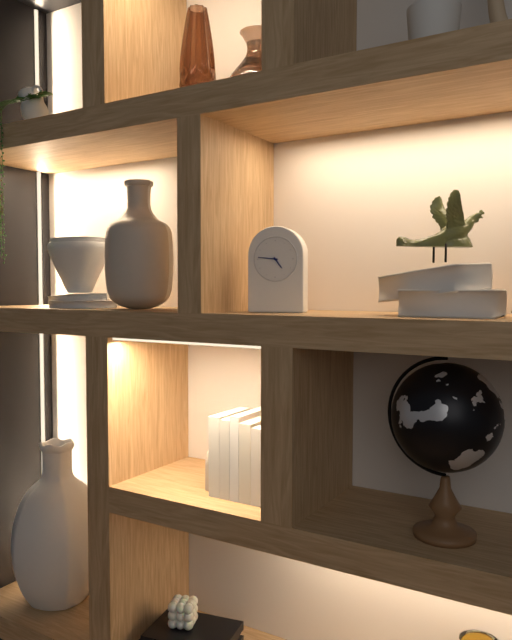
4:46
